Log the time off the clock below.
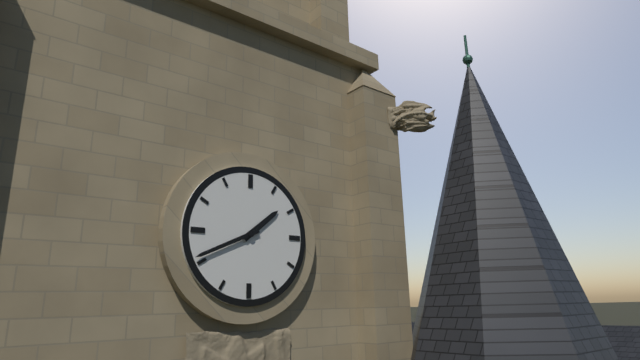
1:41
